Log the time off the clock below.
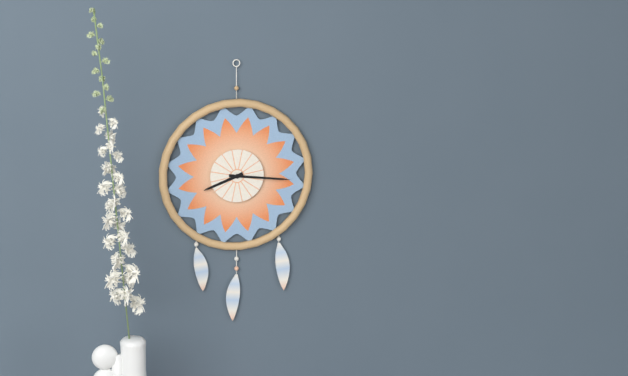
8:16
